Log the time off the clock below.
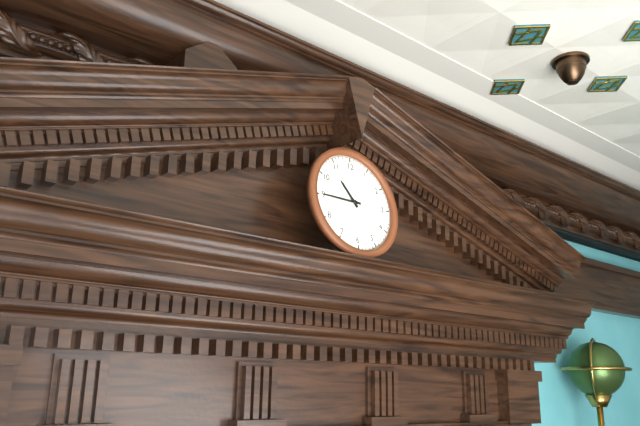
10:45
